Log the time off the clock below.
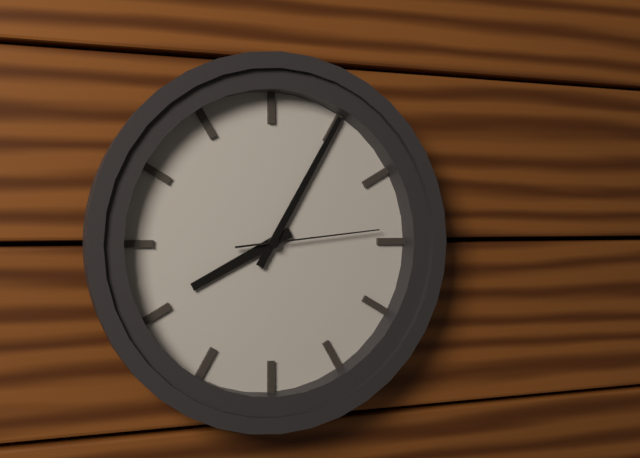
8:05:14
